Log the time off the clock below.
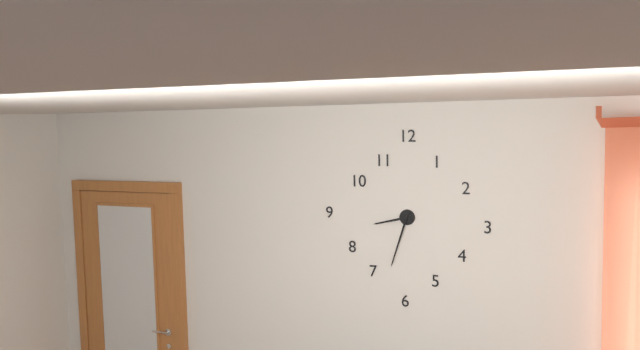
8:33
